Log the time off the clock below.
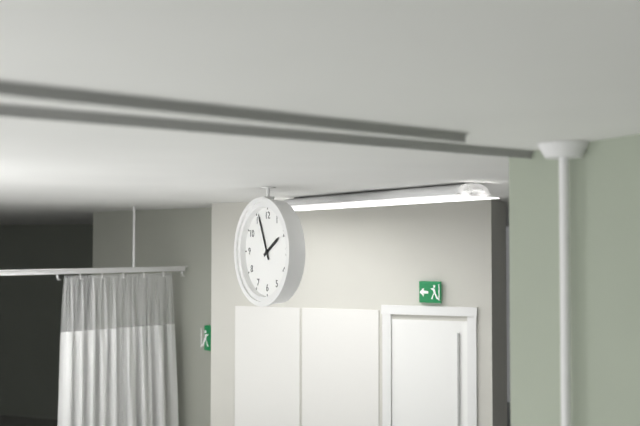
1:56
